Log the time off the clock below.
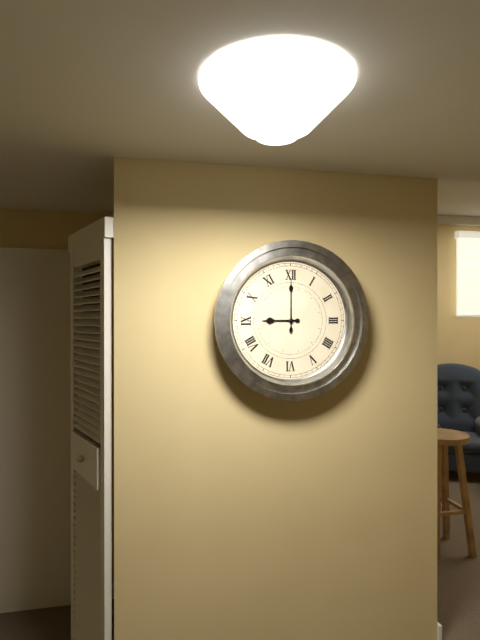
9:00
